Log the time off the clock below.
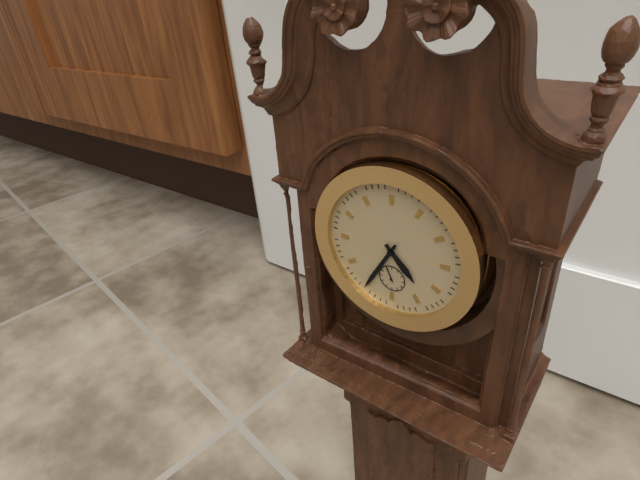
4:35
